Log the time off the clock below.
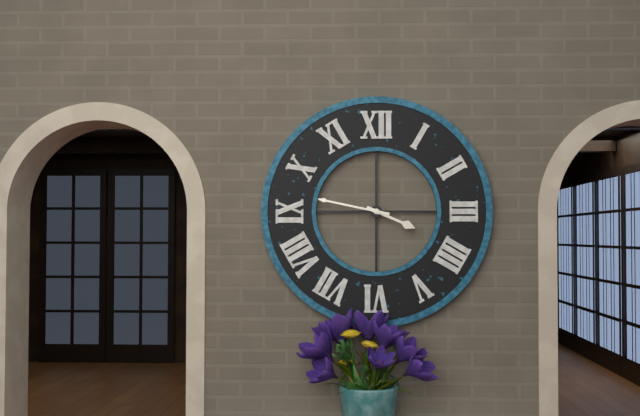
3:47
